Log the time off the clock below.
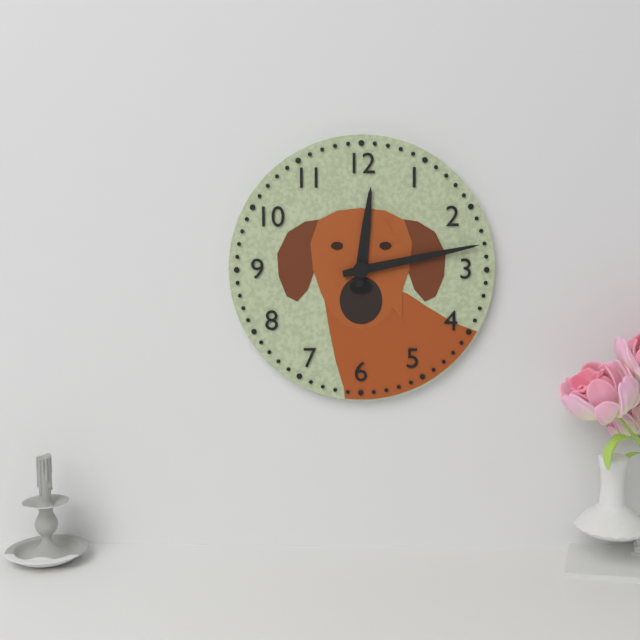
12:13
